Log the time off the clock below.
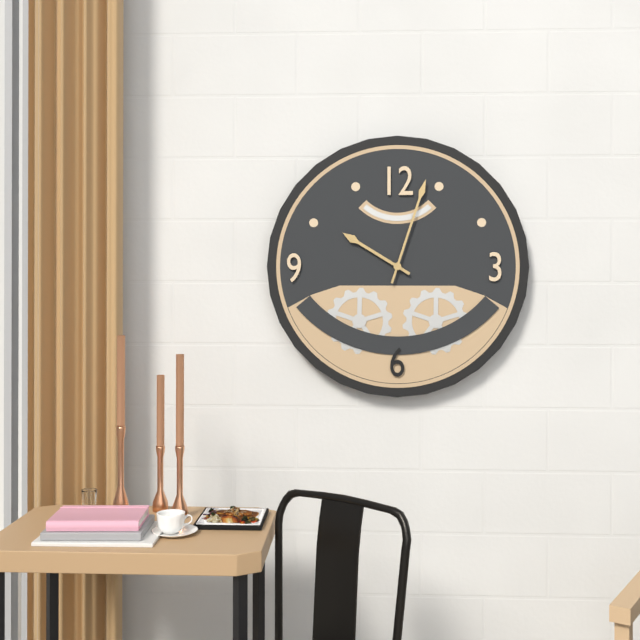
10:03
